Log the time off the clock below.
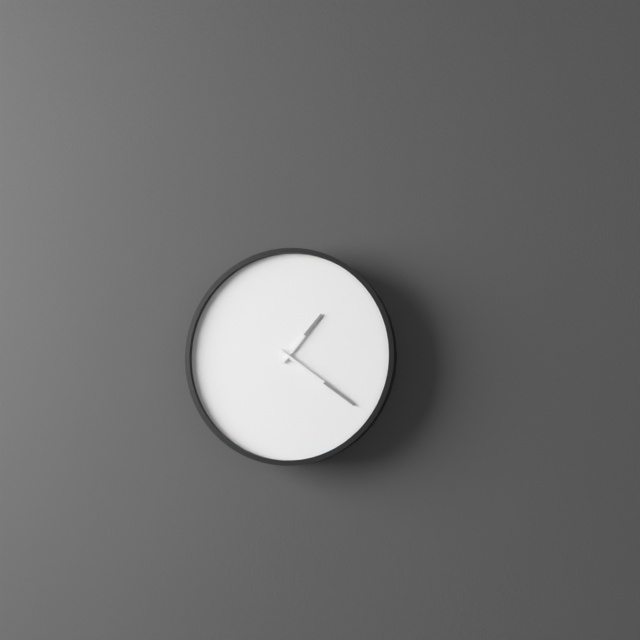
1:21
